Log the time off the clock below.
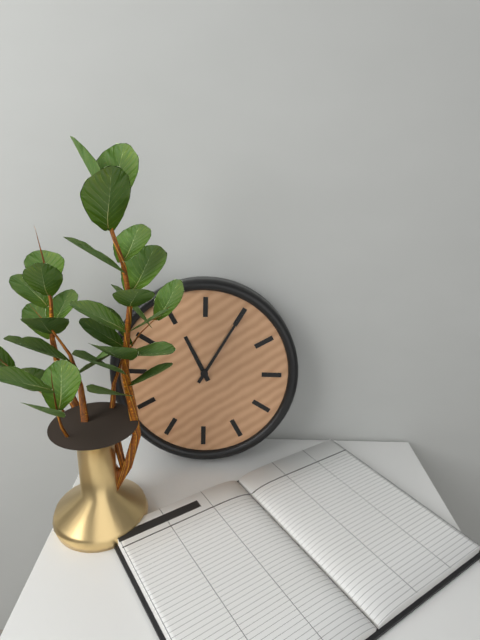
11:05
